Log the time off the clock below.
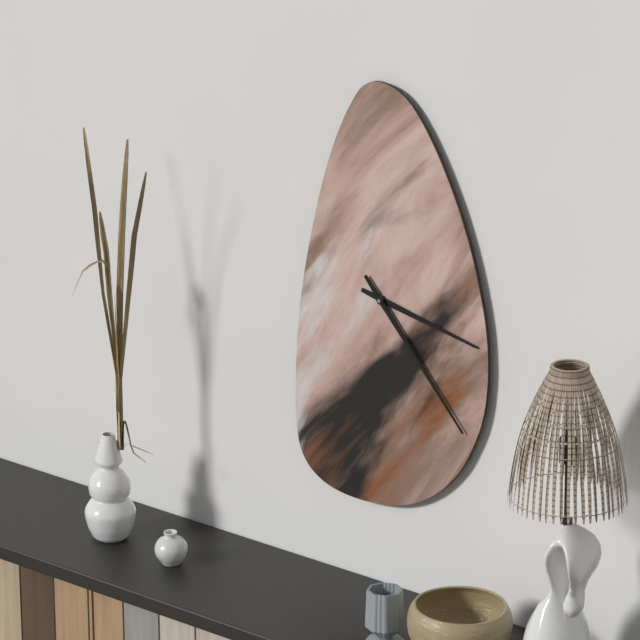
3:23
